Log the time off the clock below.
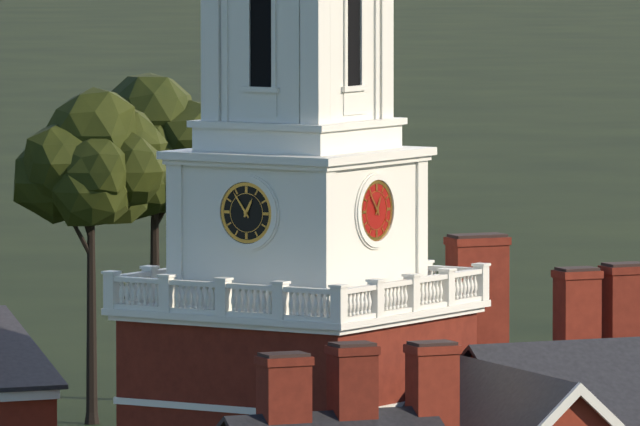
12:54
